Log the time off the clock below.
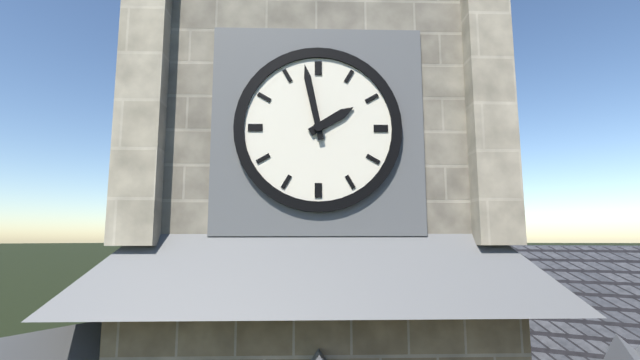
1:58
